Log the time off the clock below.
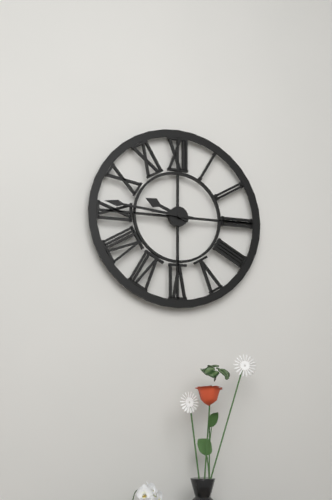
9:46
